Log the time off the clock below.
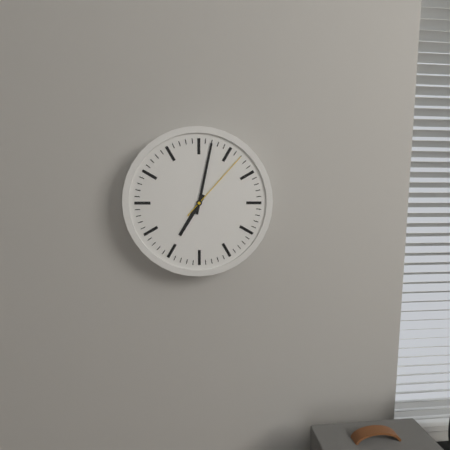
7:02:07
